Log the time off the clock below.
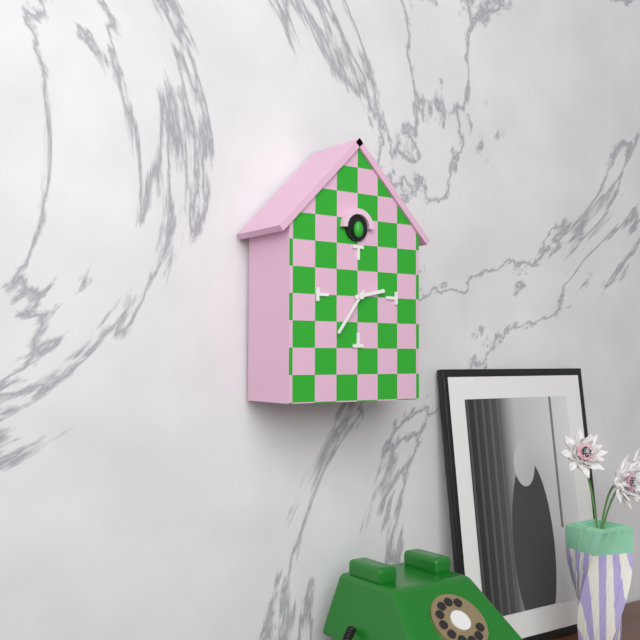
2:36
